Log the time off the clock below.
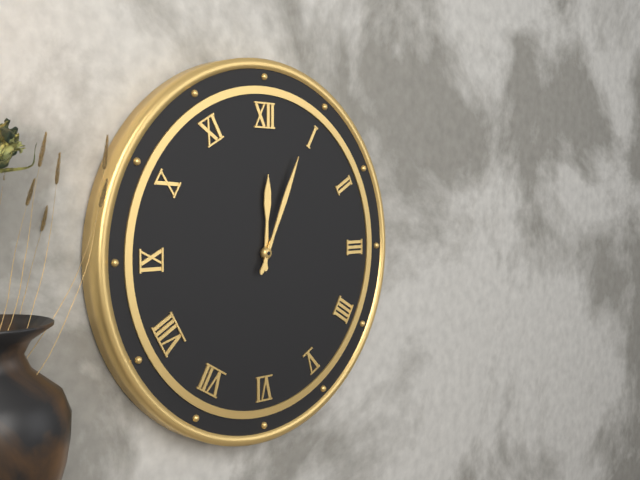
12:04
